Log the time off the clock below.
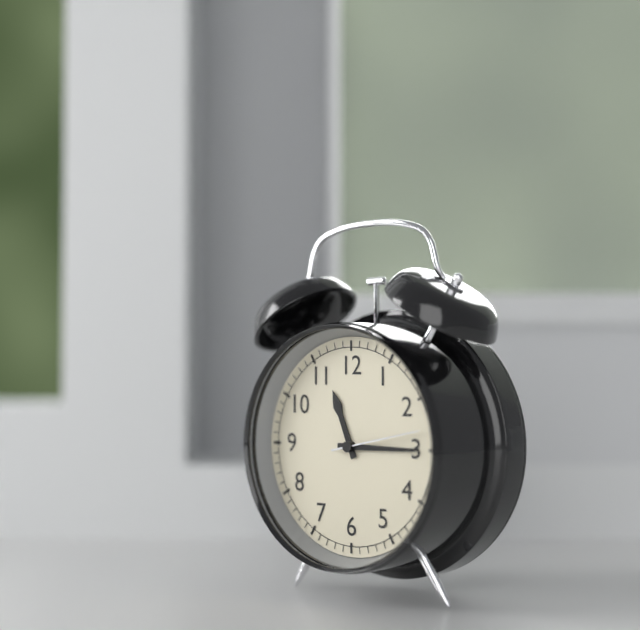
11:15:13
